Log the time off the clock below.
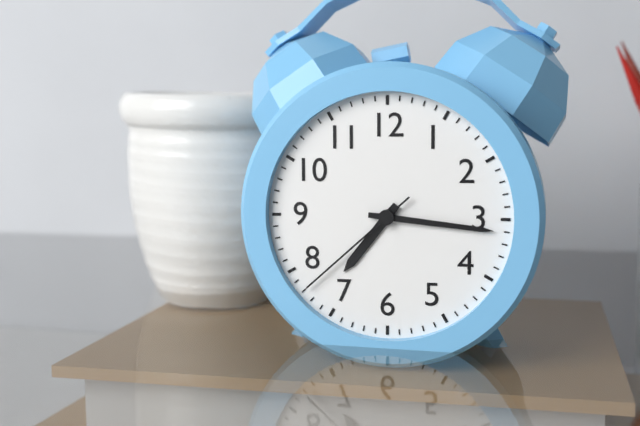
7:16:38
